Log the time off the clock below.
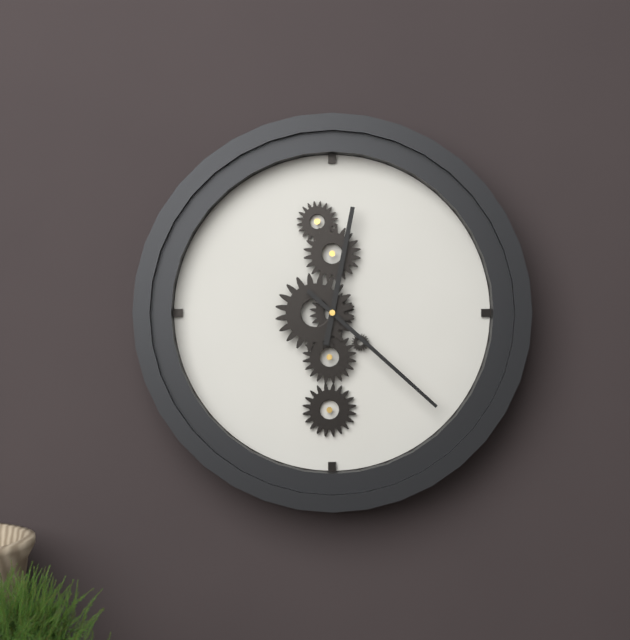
12:22
